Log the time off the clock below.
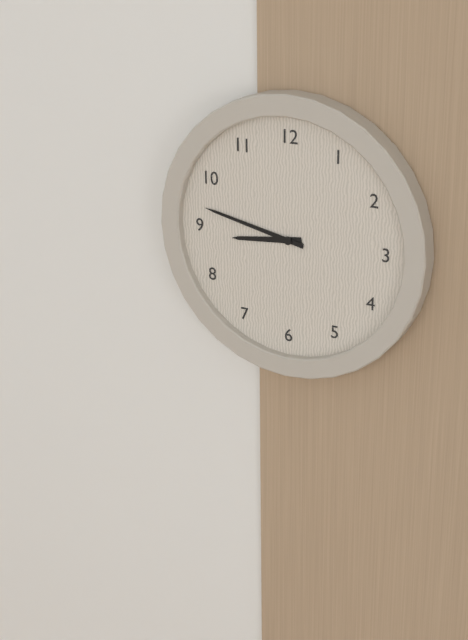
8:47
